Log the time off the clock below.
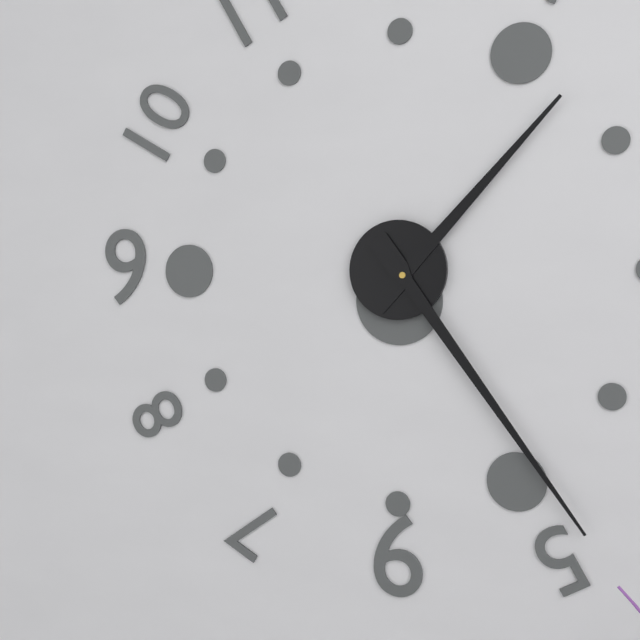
1:24
